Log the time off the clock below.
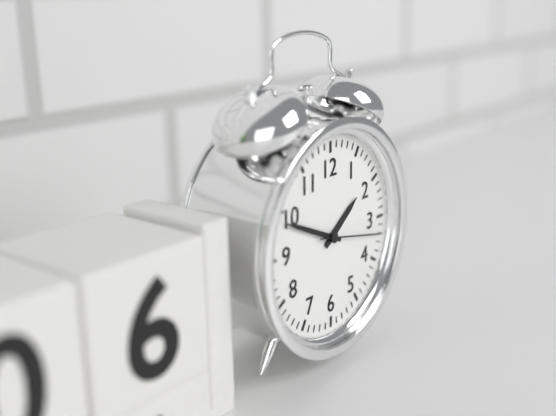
1:49:17
